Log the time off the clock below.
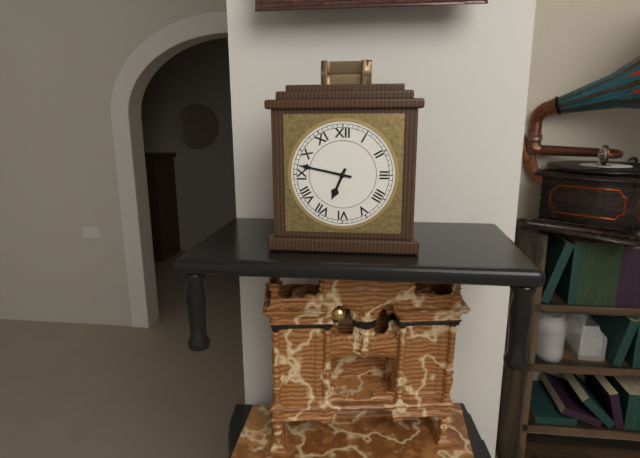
6:47
